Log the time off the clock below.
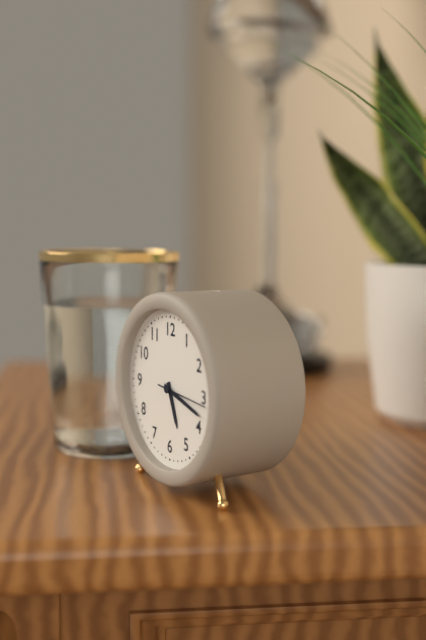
5:18:16
